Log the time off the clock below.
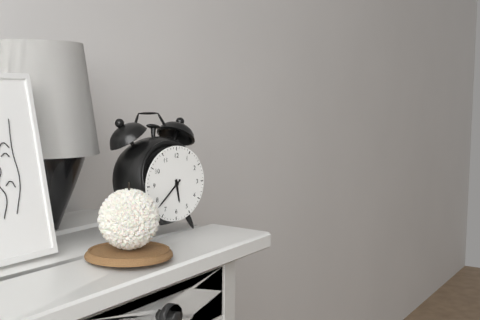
5:38
